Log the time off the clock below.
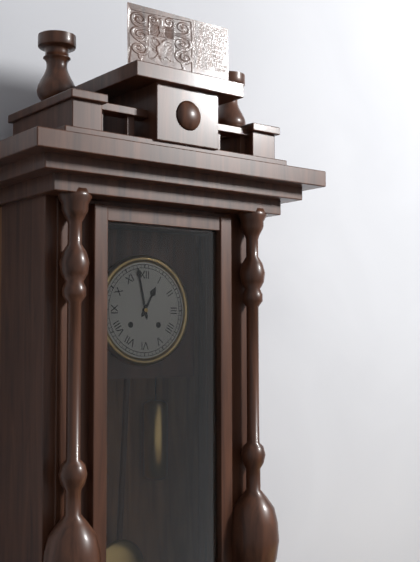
12:58
